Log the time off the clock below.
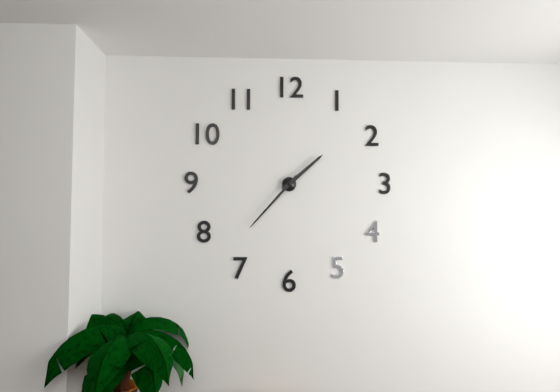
1:37
